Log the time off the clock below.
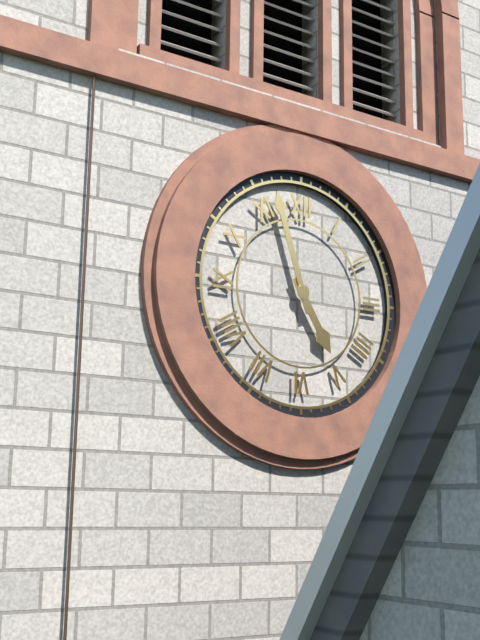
4:57
